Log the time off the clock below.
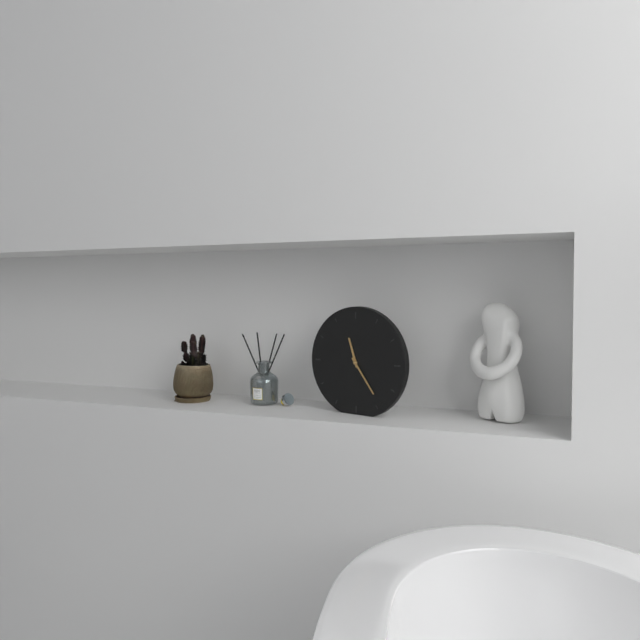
11:24
